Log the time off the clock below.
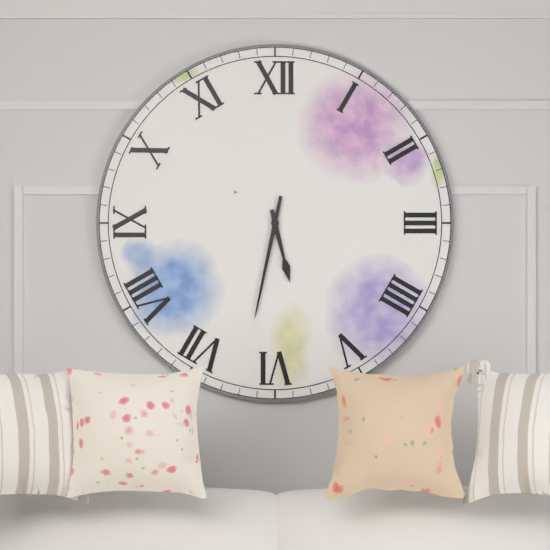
5:32
